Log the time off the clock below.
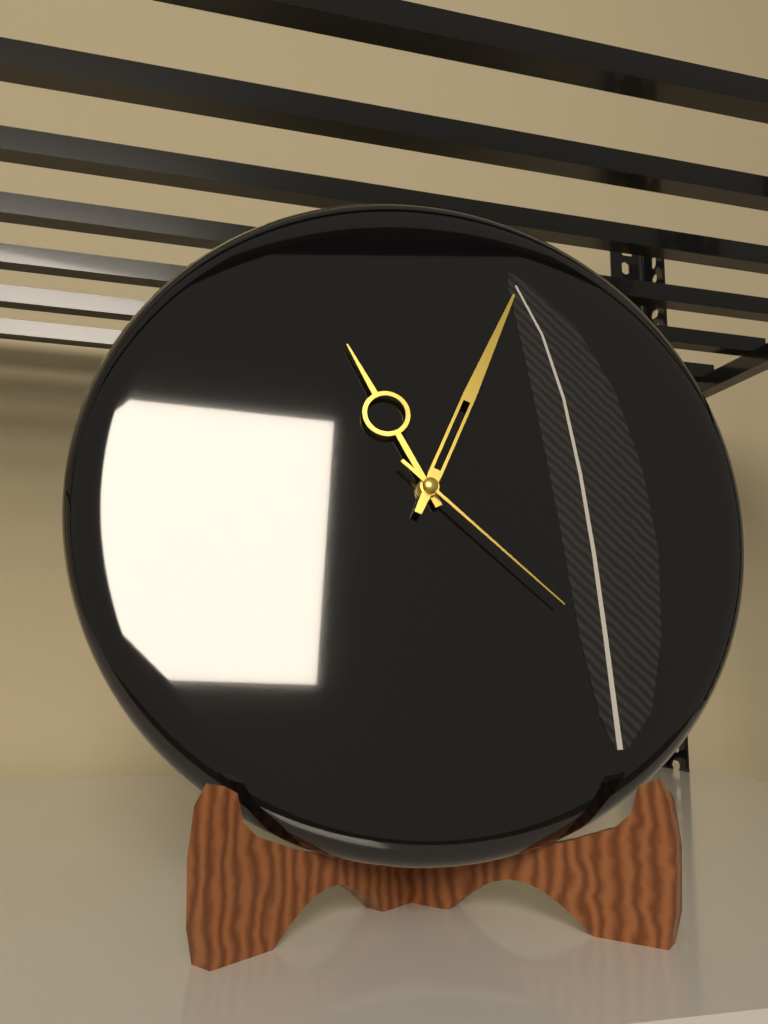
11:04:22
